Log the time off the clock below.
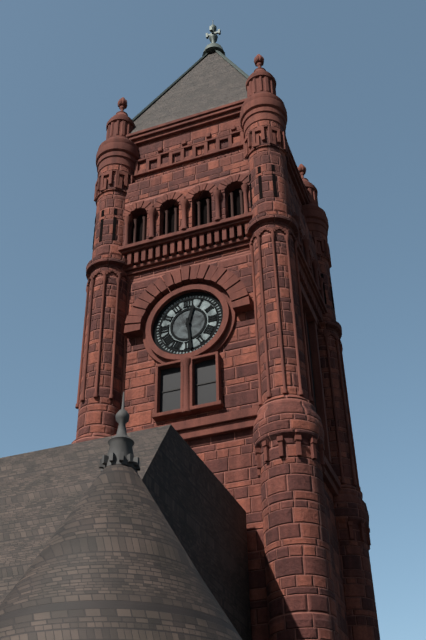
12:29
